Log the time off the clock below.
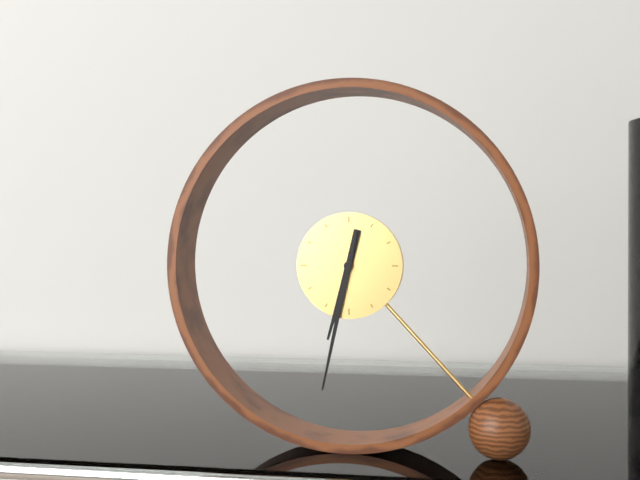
6:32
